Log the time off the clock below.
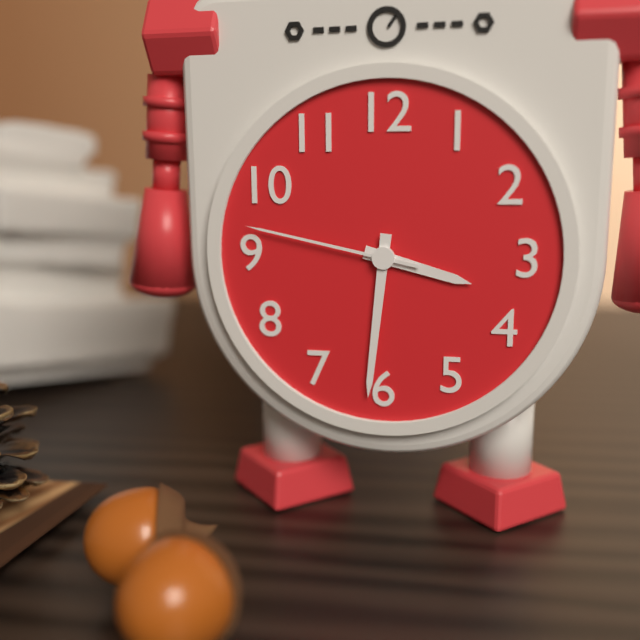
3:31:47
